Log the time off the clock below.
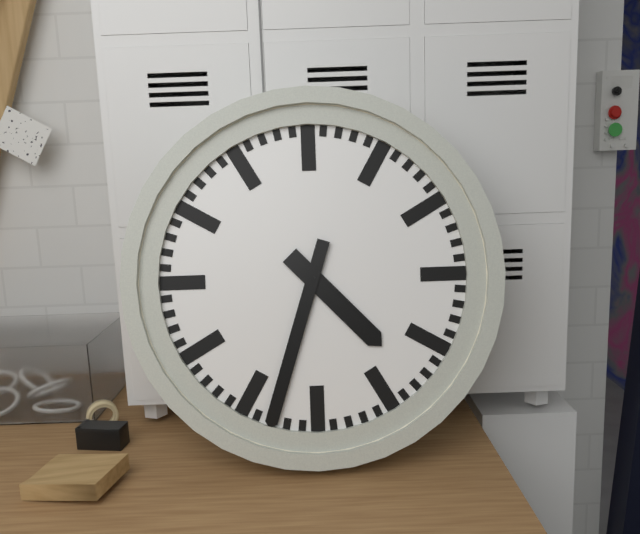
4:33
